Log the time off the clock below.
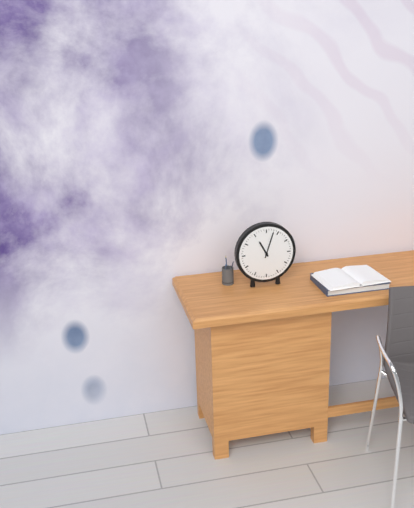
11:03
